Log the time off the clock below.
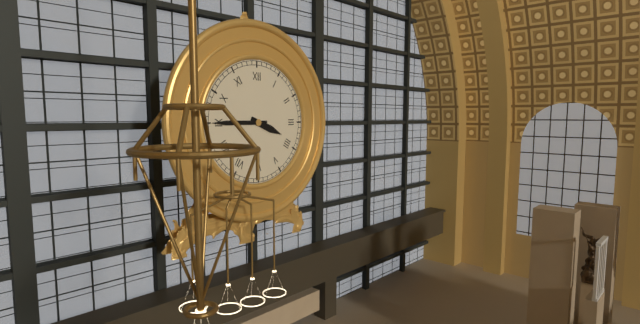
3:45
